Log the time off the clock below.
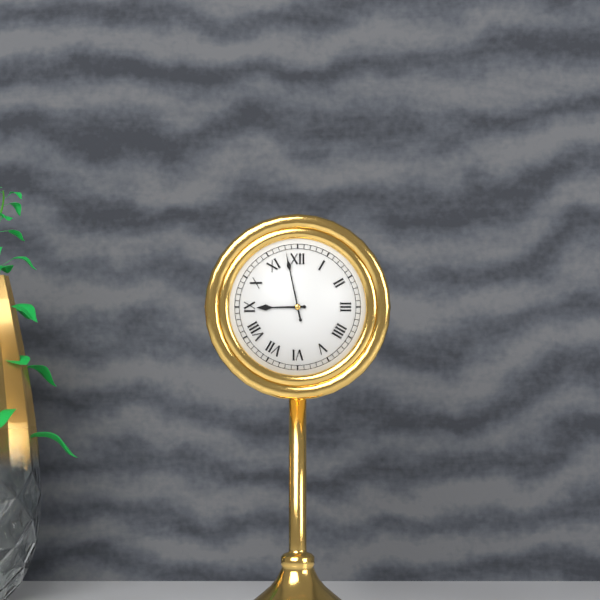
8:58
